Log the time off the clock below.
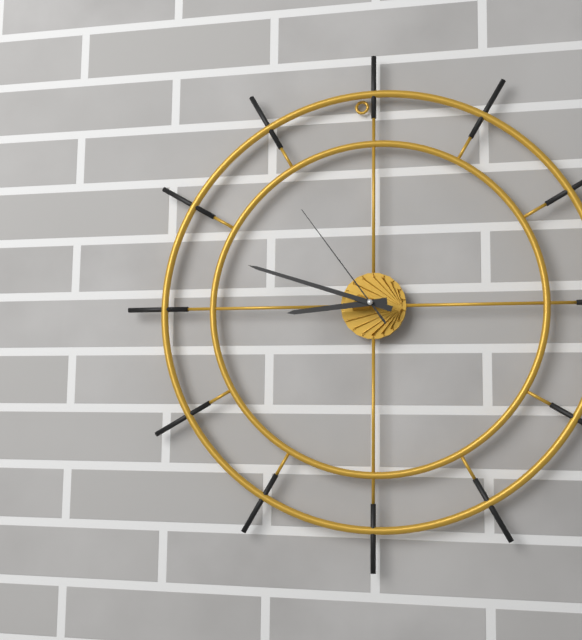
8:48:54
